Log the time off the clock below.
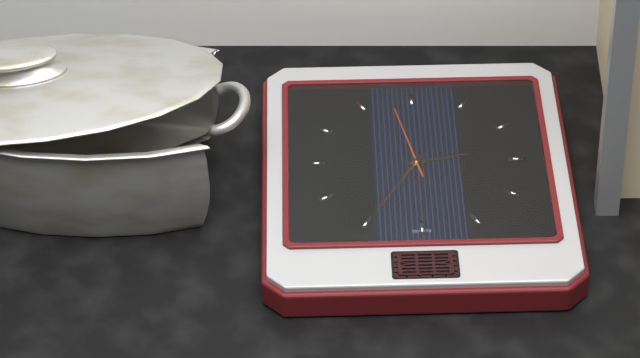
2:35:58
